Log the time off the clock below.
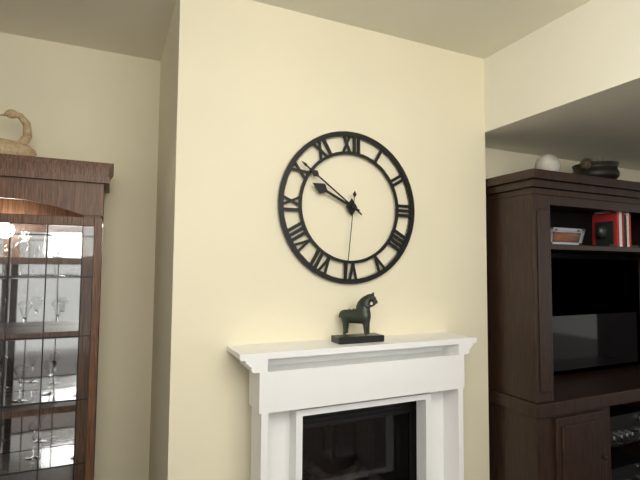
9:51:31
